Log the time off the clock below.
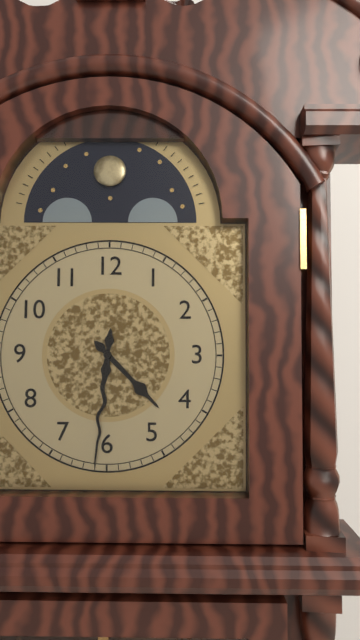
4:31
